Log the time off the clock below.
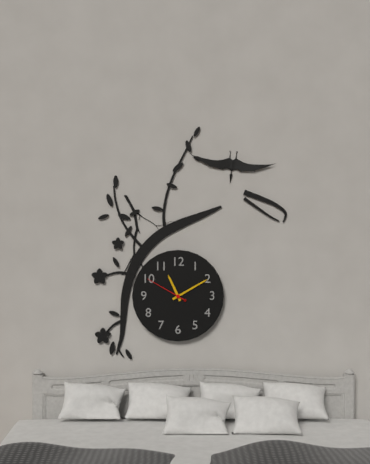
11:10
